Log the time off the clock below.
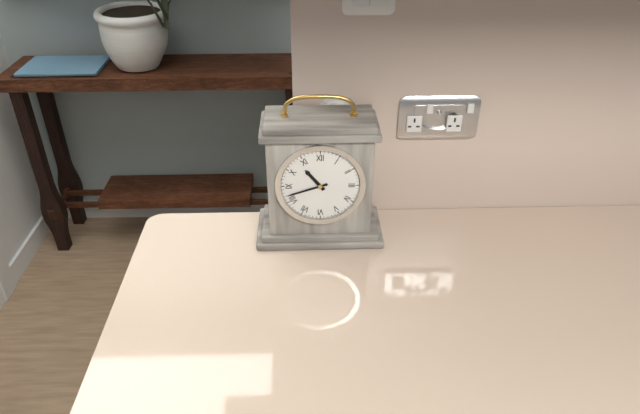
10:42
